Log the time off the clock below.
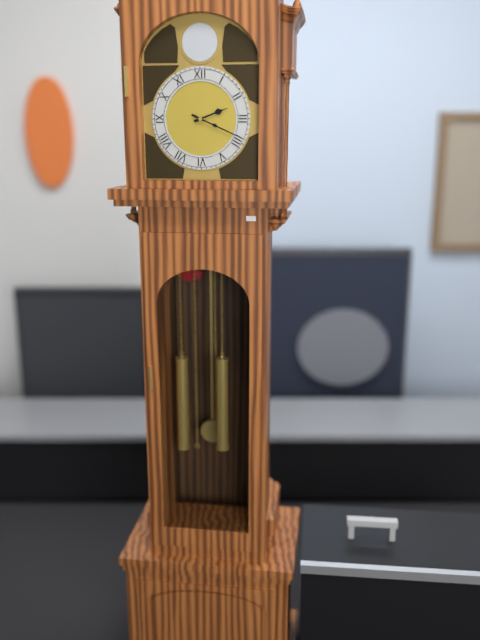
2:19
